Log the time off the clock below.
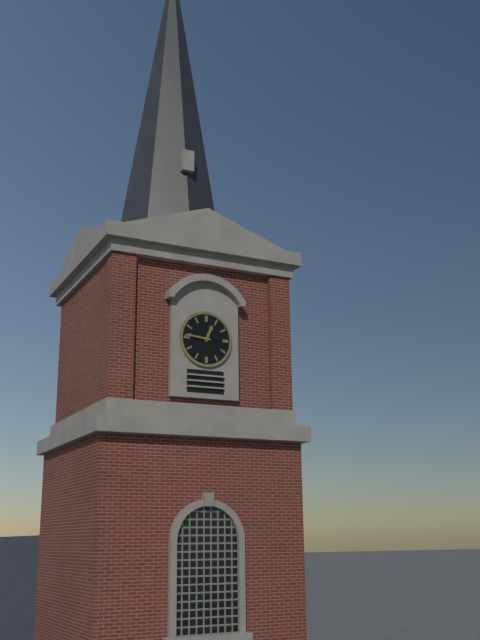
12:46
